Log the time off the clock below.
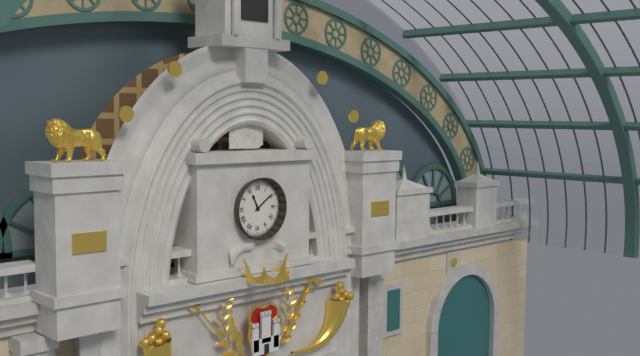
11:09
